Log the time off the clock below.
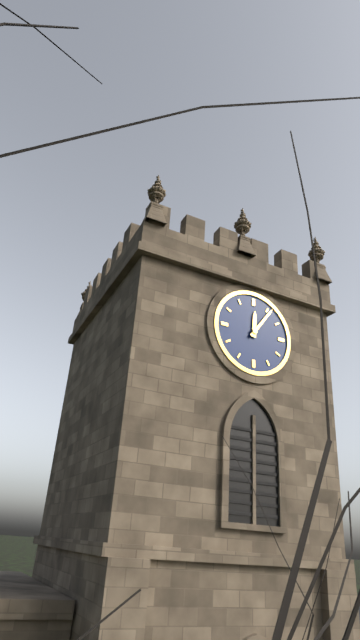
12:06
